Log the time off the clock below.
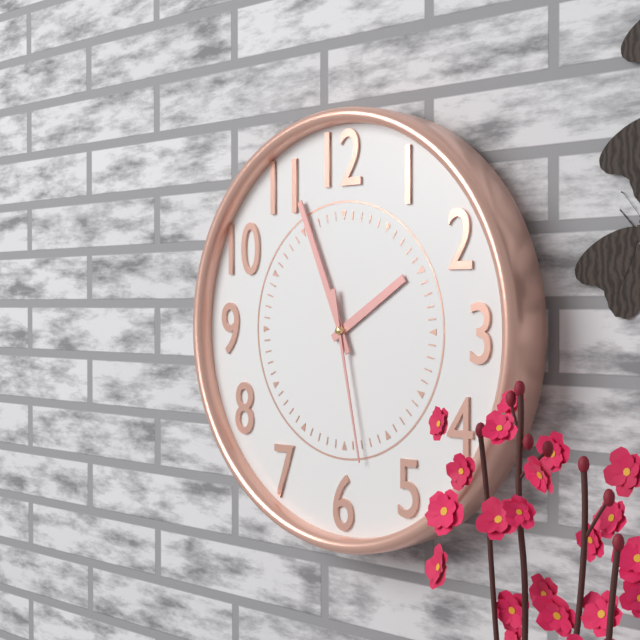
1:56:28
